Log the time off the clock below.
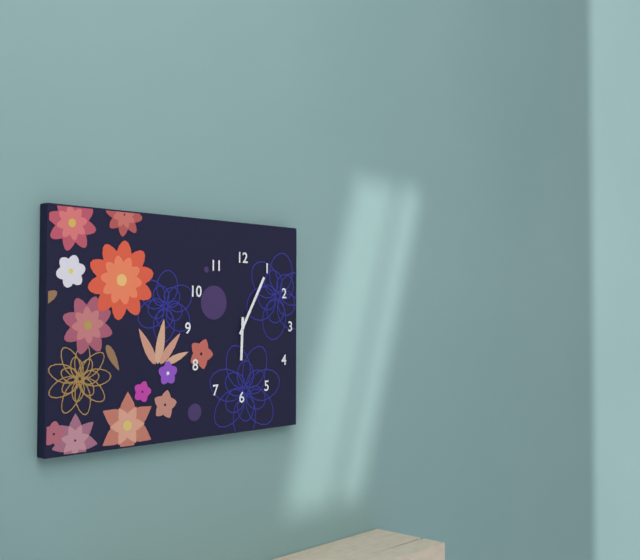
6:05
